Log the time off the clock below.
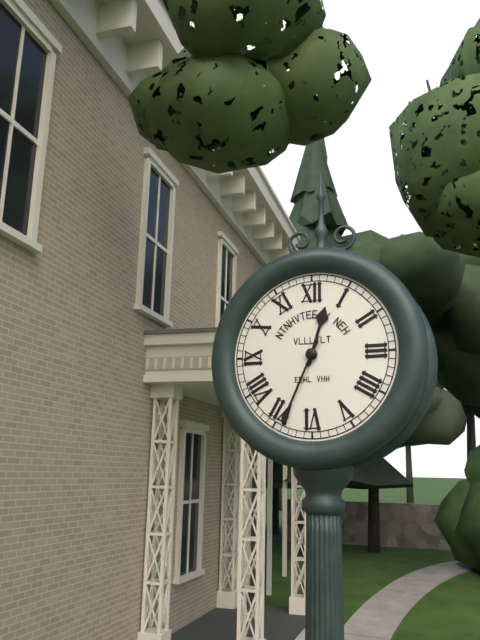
12:34
